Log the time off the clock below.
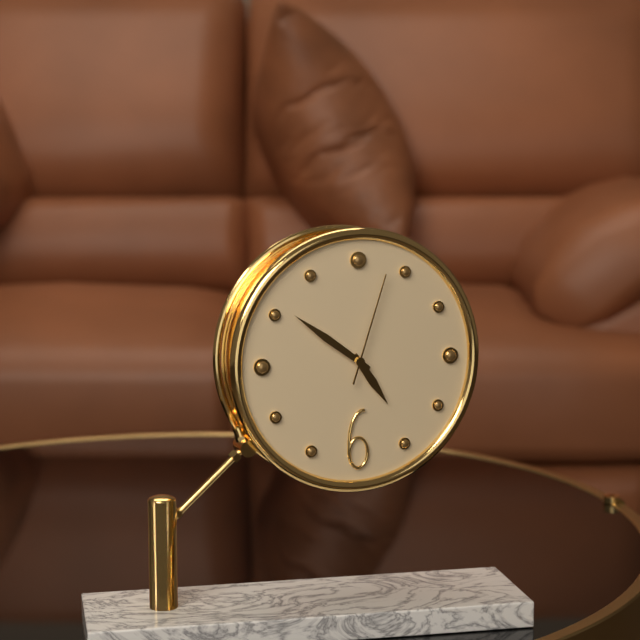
4:51:03
